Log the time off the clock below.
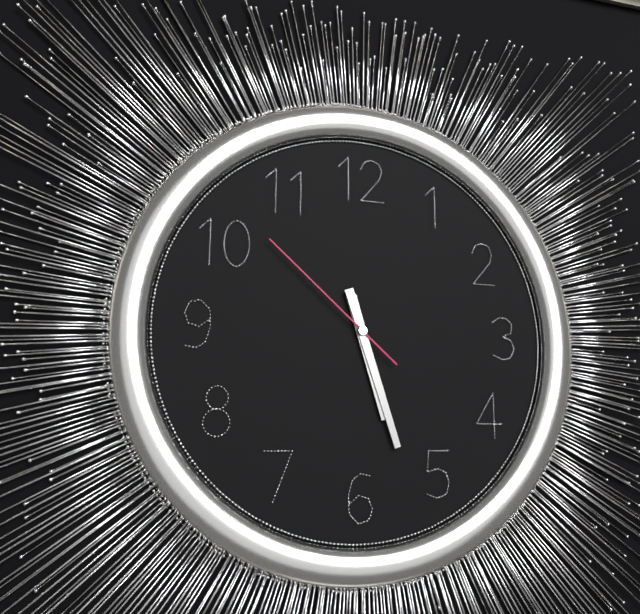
5:27:52
